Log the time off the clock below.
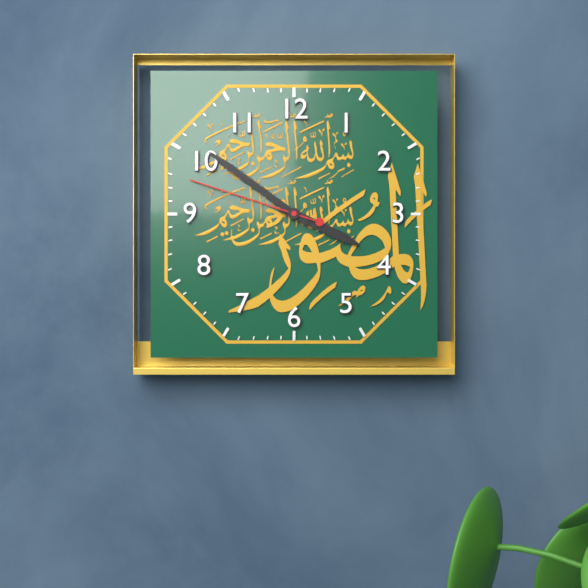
3:51:48
